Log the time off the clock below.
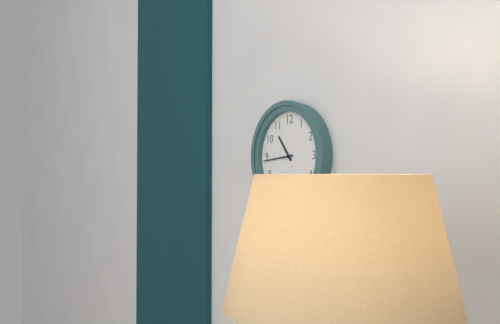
10:44
